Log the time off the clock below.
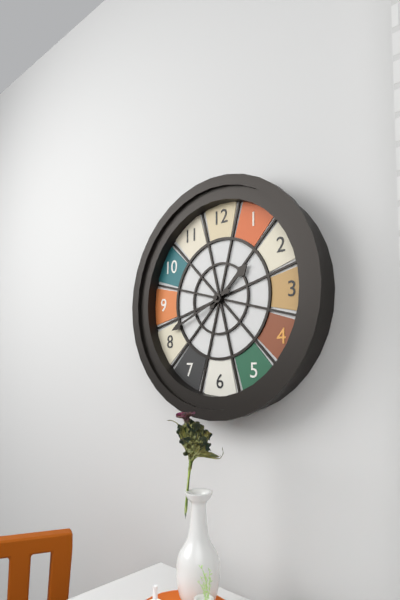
1:41
